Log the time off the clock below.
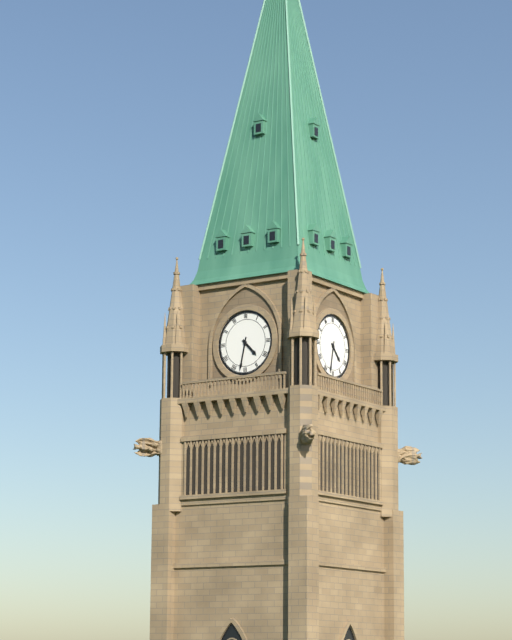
4:32
